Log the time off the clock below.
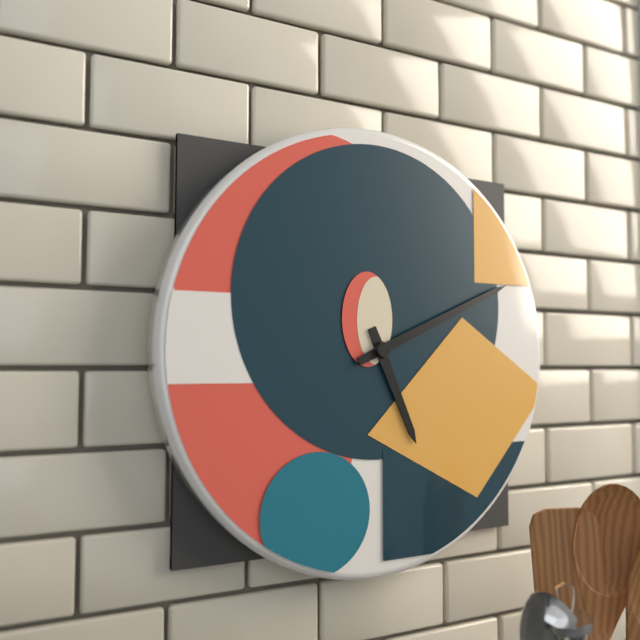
5:11
